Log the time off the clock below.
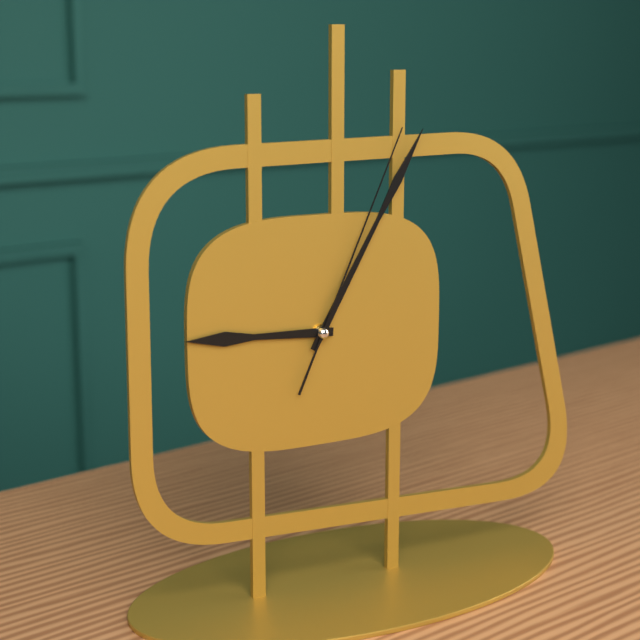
9:05:04
